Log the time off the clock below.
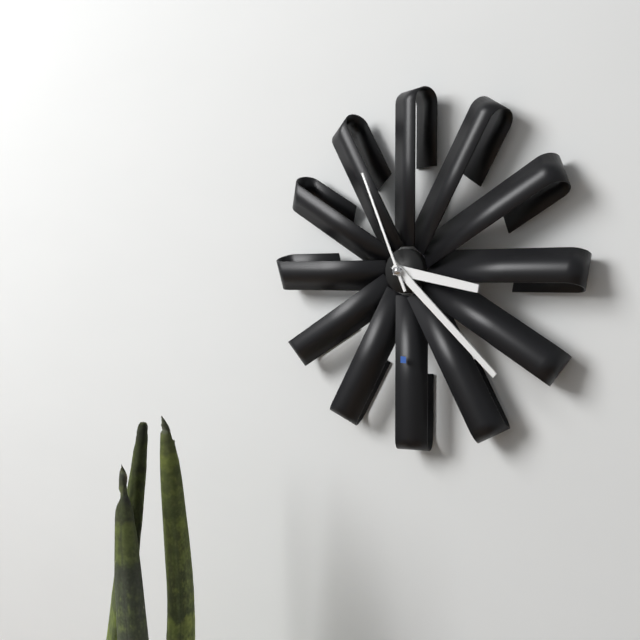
3:22:56
